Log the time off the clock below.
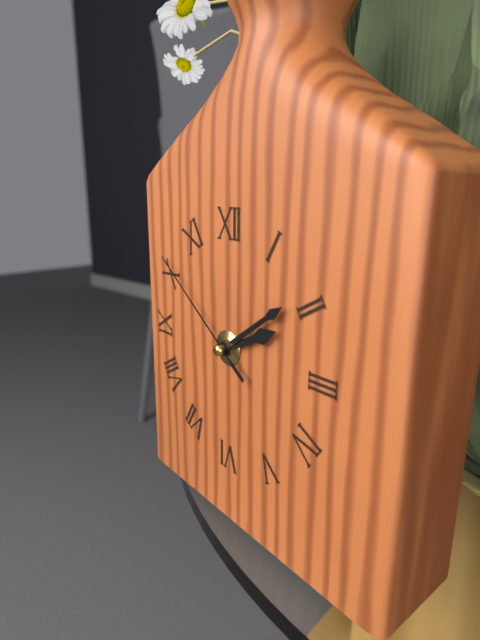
2:09:51
